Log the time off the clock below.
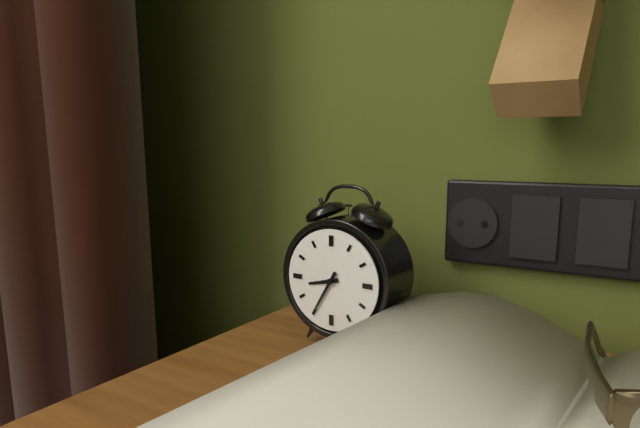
8:35
